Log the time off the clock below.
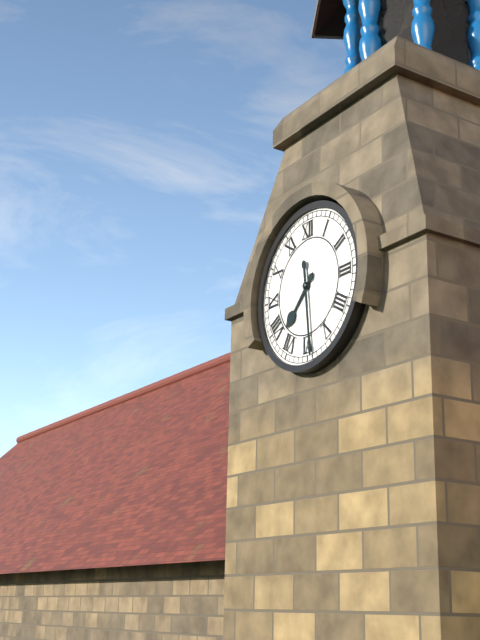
7:29
